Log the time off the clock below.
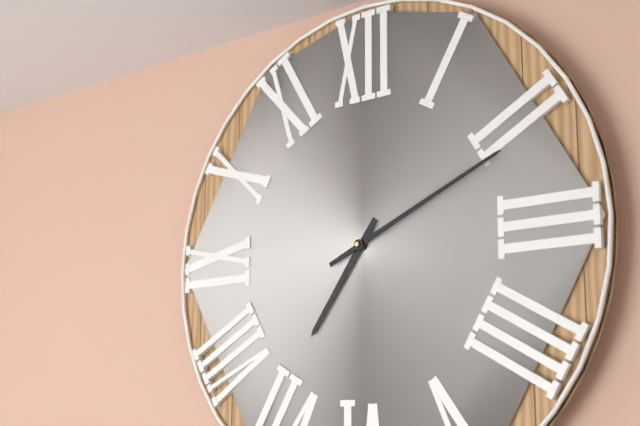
7:11
